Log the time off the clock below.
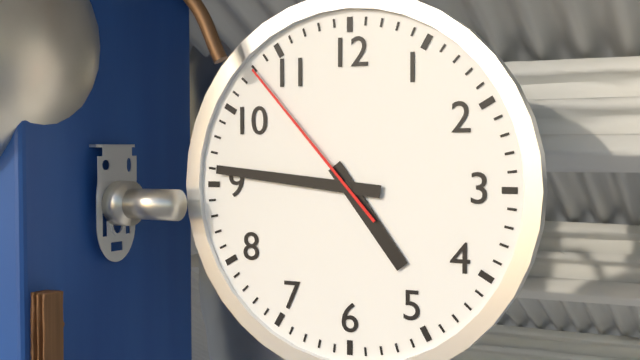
4:46:53
